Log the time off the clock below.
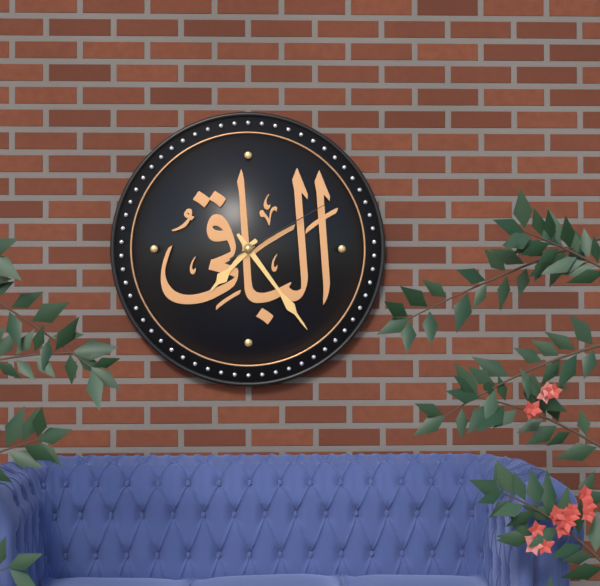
7:24:10
